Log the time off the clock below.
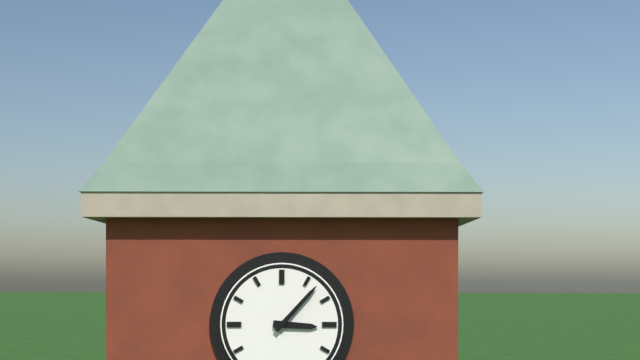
3:07
